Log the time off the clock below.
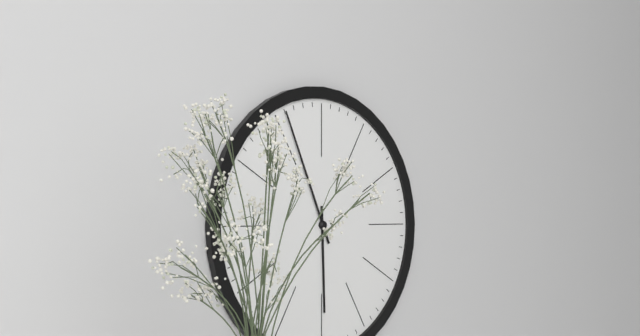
5:56
